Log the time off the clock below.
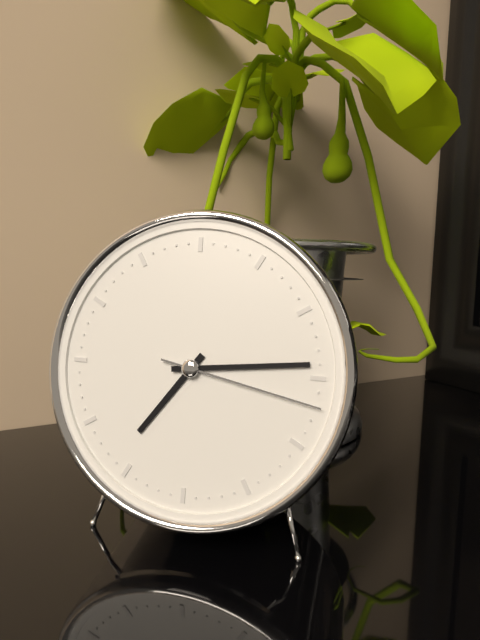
7:14:17
